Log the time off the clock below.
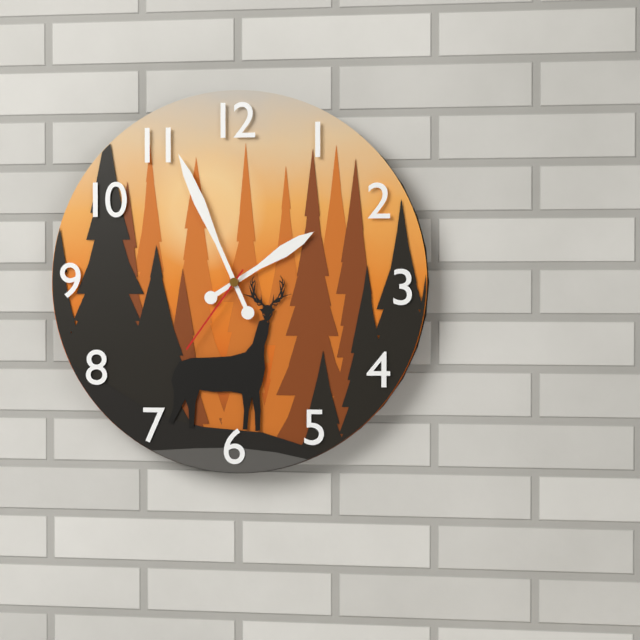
1:56:36
